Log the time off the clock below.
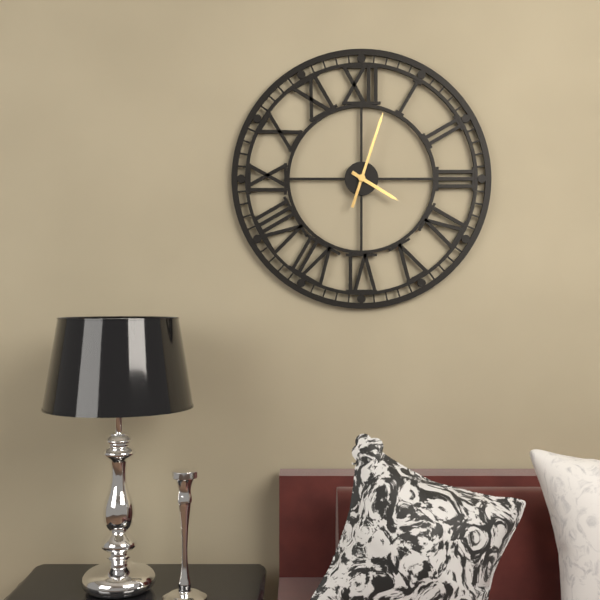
4:03
